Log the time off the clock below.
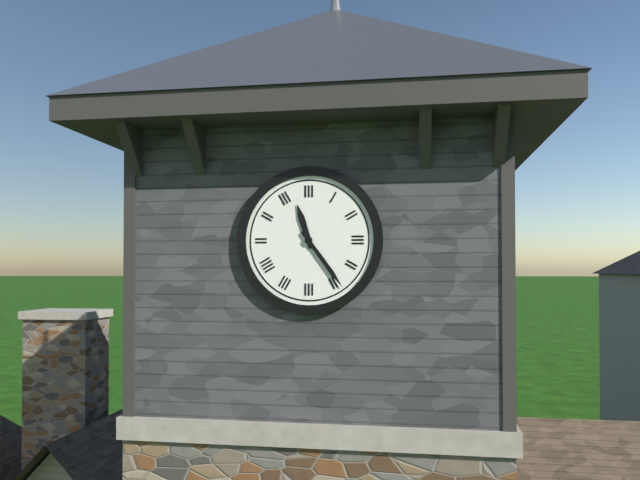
11:24
